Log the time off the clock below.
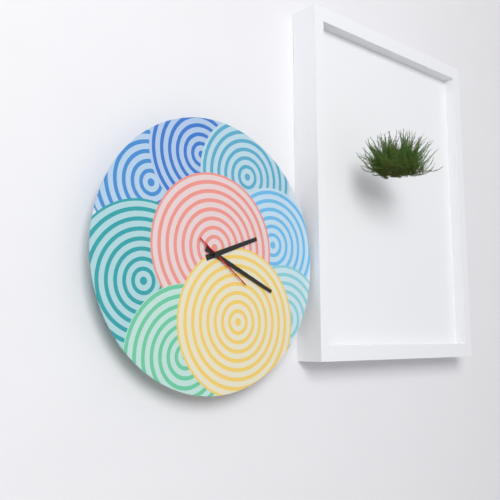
2:19:21
